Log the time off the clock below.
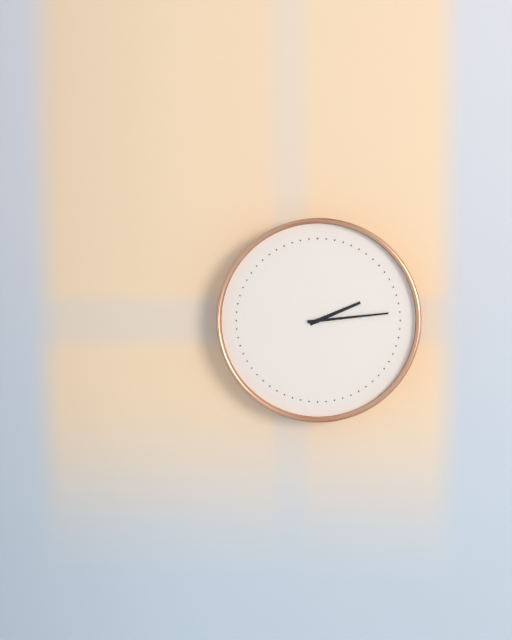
2:14
